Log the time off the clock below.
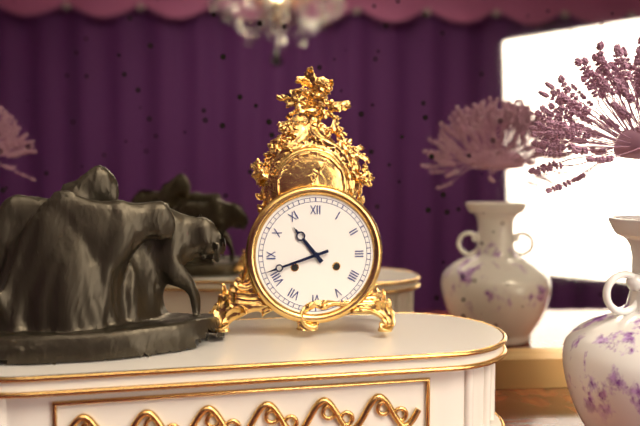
10:42
